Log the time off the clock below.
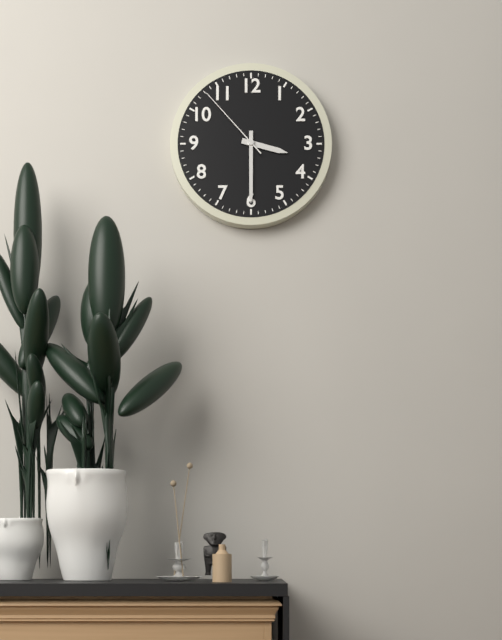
3:30:53
